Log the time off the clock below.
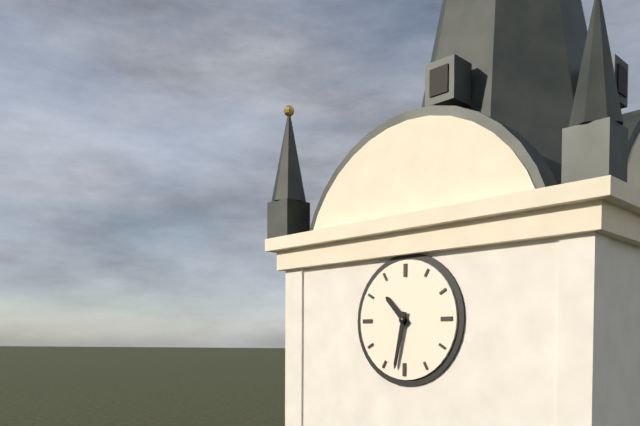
10:32
